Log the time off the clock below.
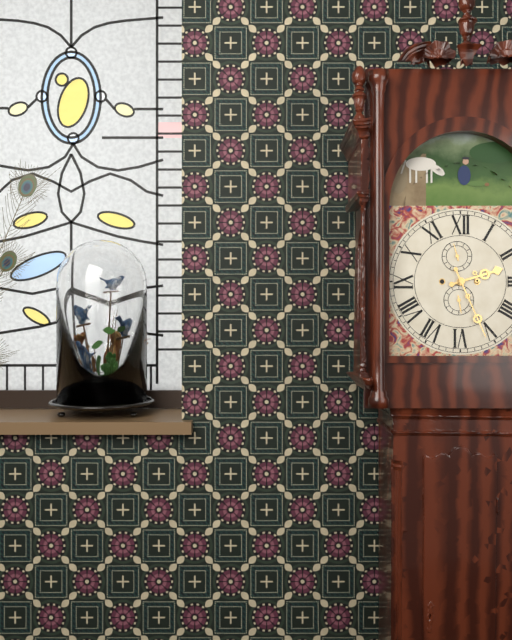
2:26
